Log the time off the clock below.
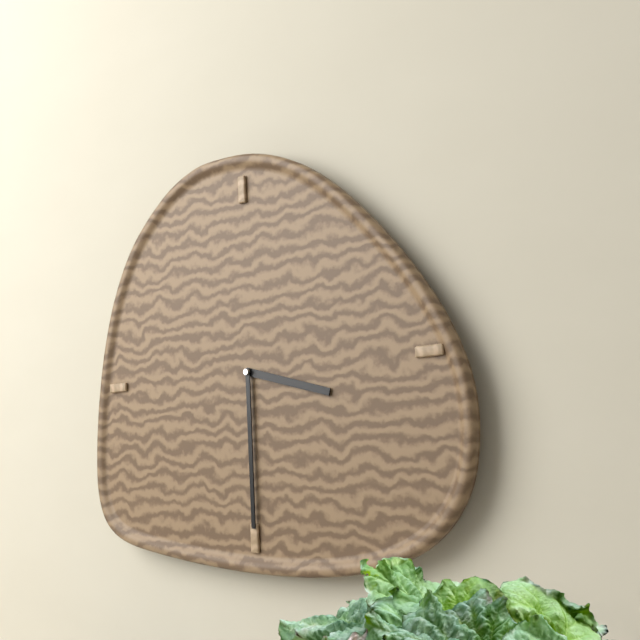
3:30
